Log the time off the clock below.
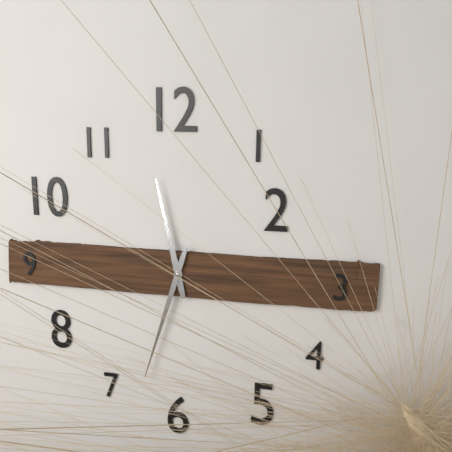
11:33
